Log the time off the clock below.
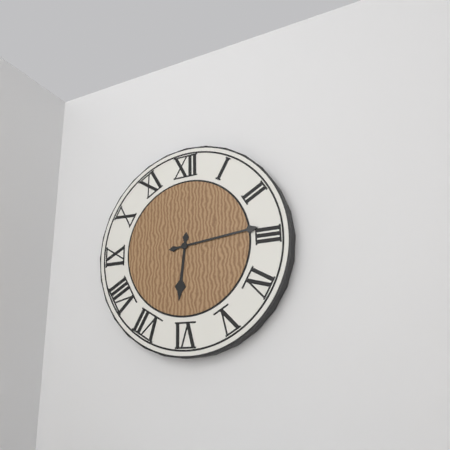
6:14
